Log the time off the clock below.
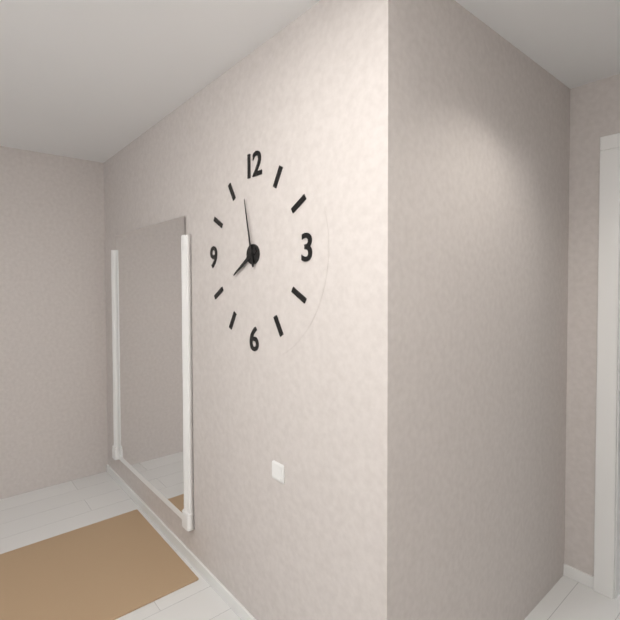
7:58
